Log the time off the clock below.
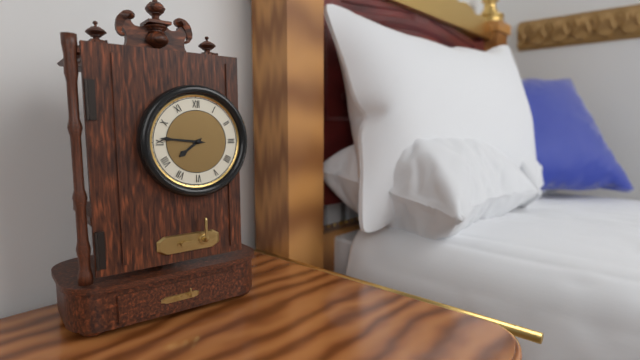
7:46
